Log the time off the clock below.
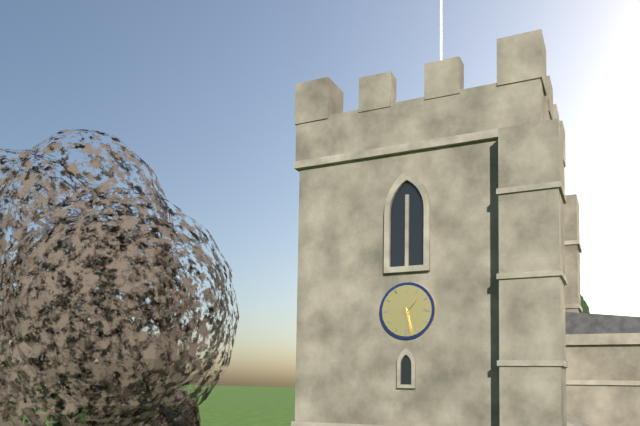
1:28
